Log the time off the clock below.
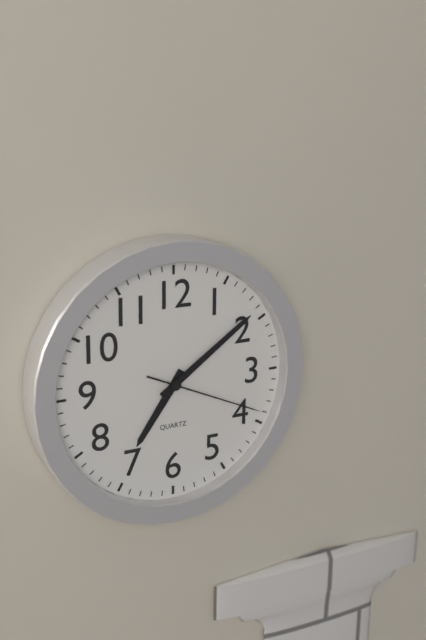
7:09:19
